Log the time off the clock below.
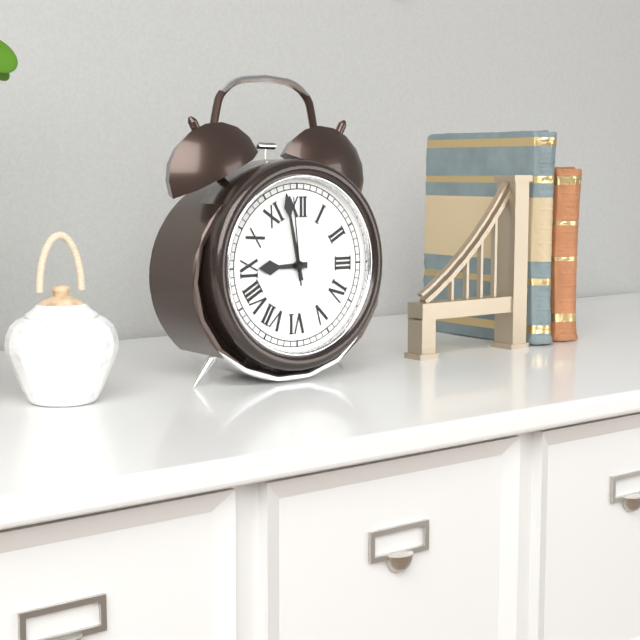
8:58:59
